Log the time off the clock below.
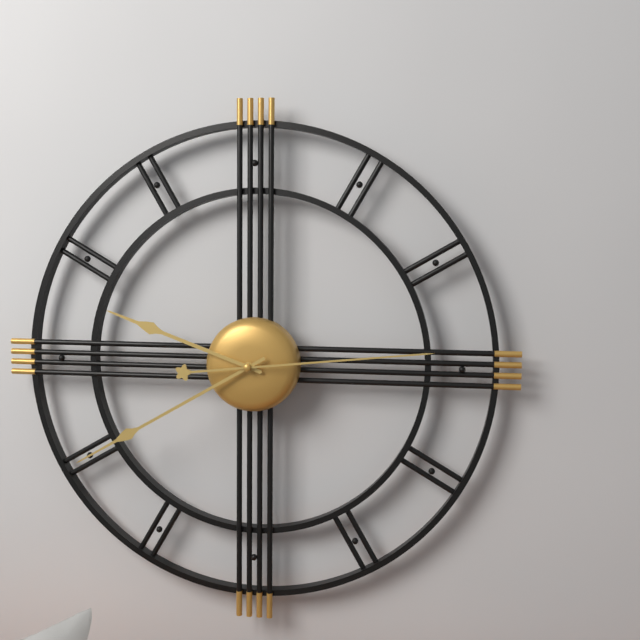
9:40:14
